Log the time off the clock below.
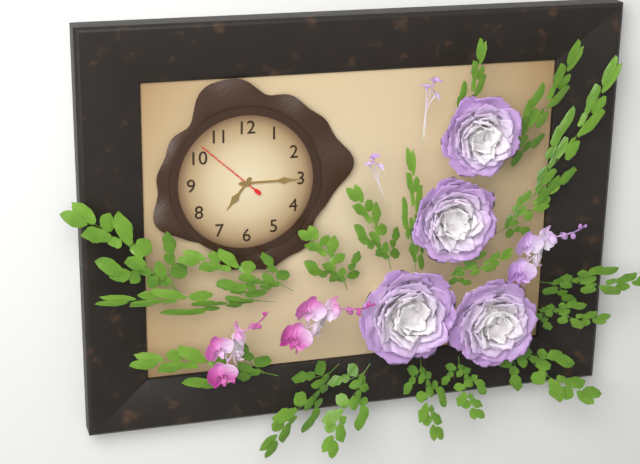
7:15:52
